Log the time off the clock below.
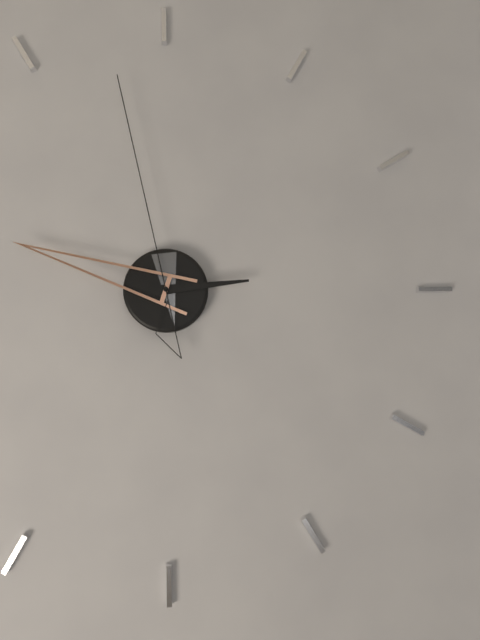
2:48:58
